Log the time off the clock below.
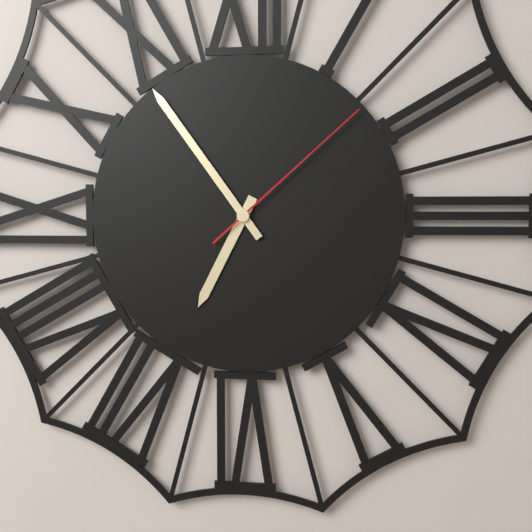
6:54:08
